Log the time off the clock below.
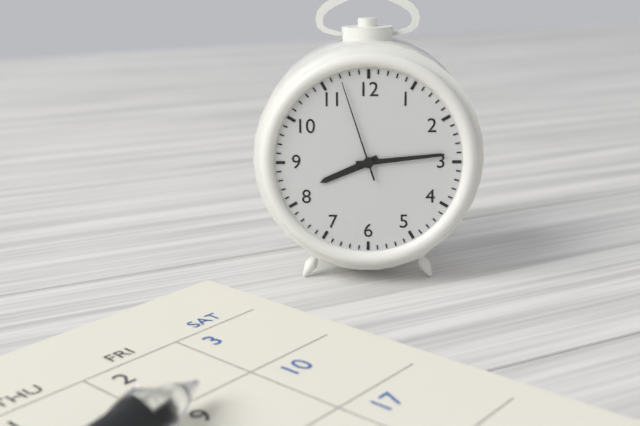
8:14:57
